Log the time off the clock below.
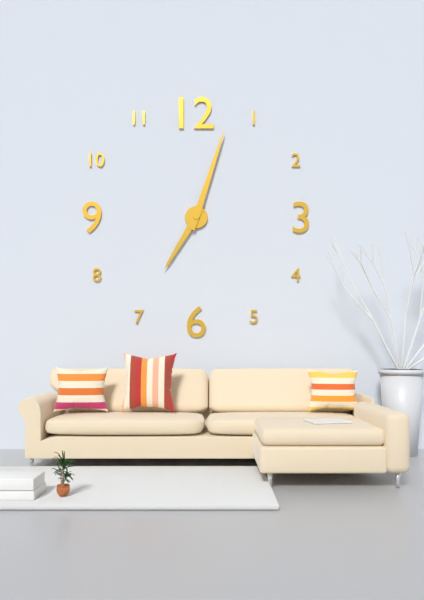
7:03
